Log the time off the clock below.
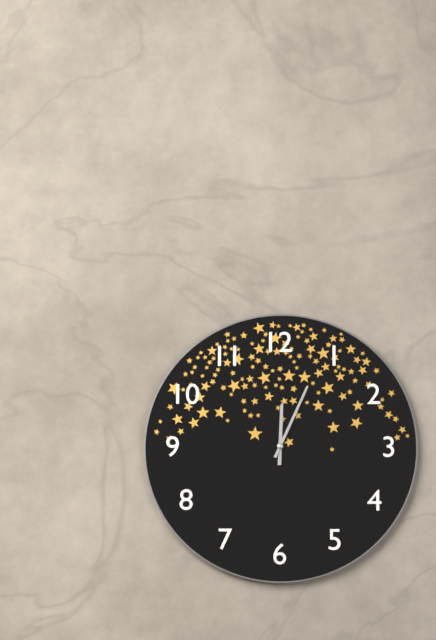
12:04
